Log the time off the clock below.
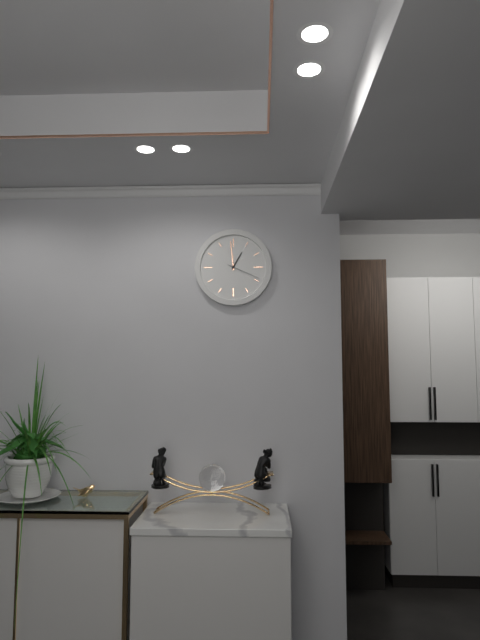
12:59
